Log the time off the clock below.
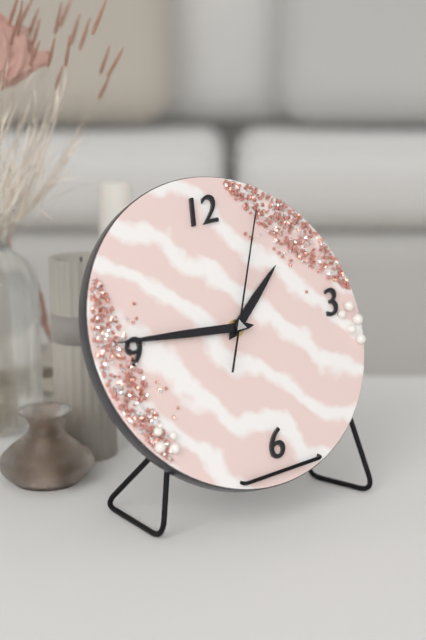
1:46:05
